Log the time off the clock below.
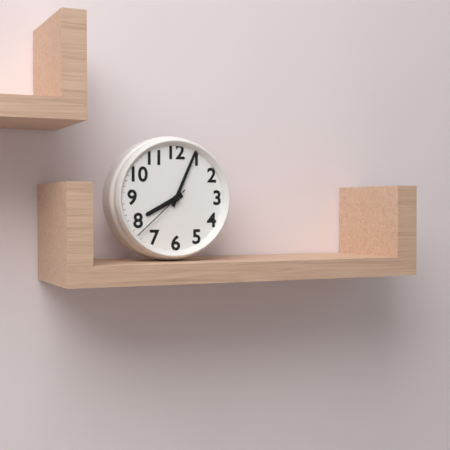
8:04:38
